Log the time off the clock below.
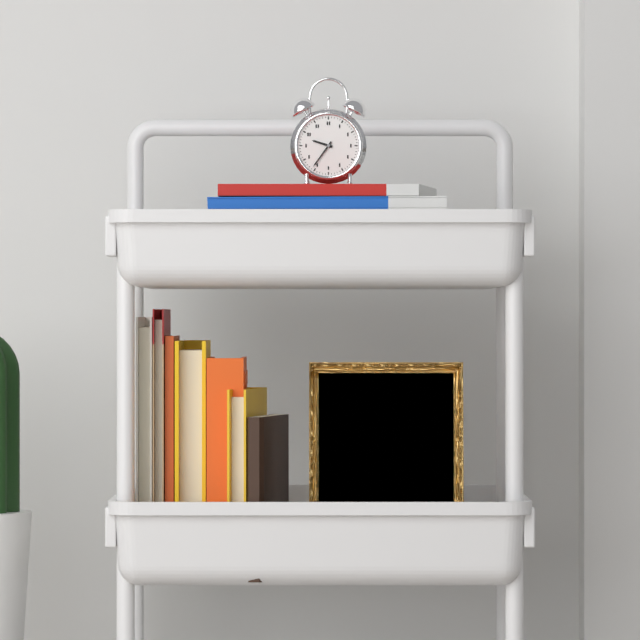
9:36
